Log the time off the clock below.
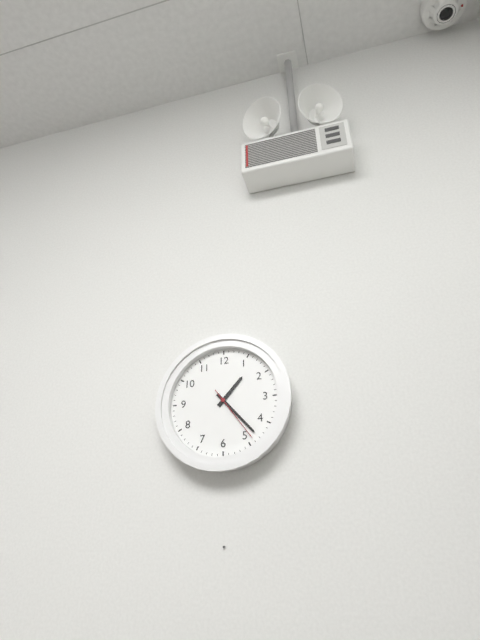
1:23:24
